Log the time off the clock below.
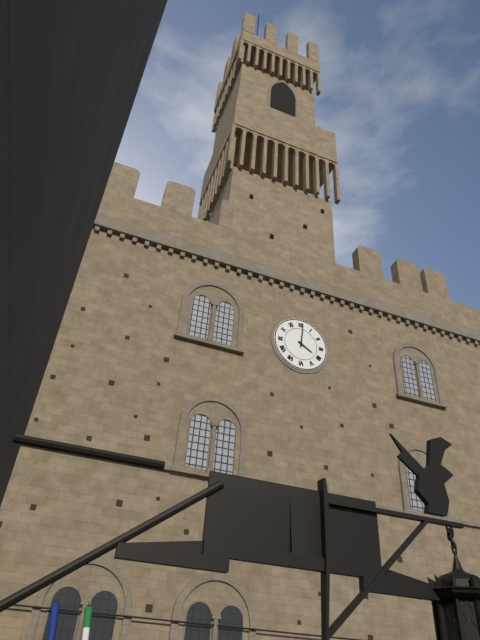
4:01
